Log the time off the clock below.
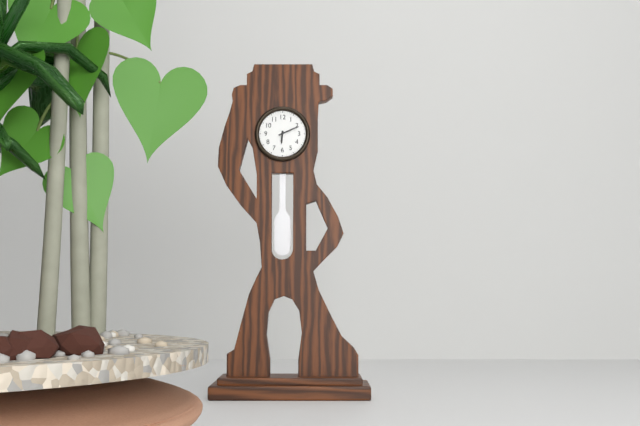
6:11
